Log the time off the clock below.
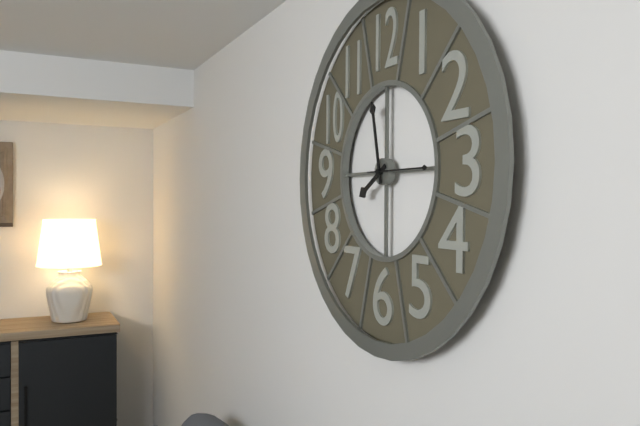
7:58
